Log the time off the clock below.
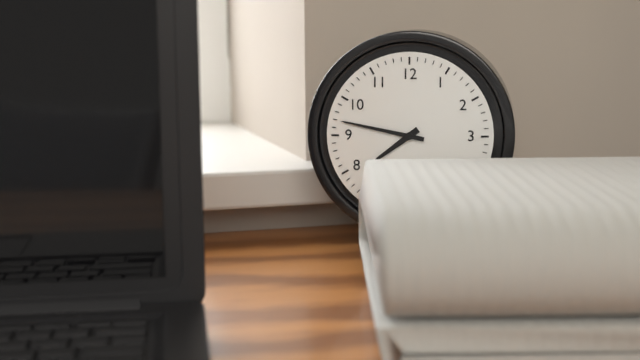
7:47
